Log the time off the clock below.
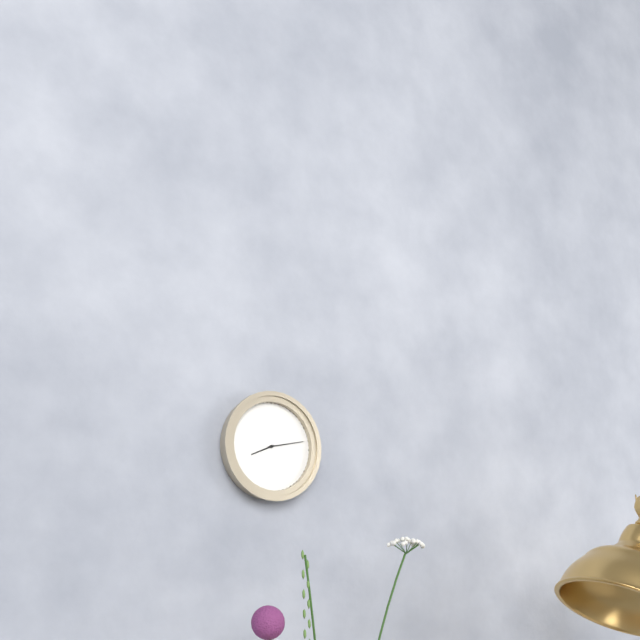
8:13
